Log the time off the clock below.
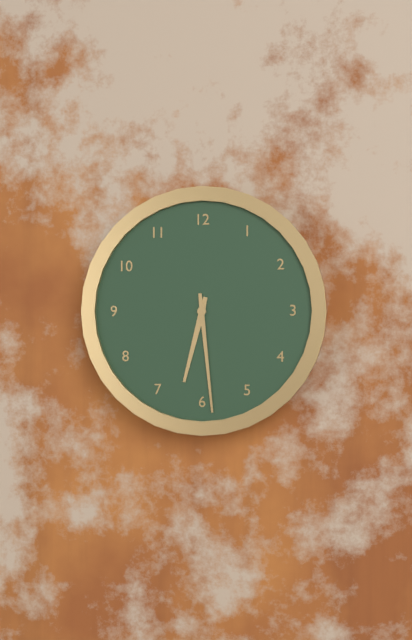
6:29
